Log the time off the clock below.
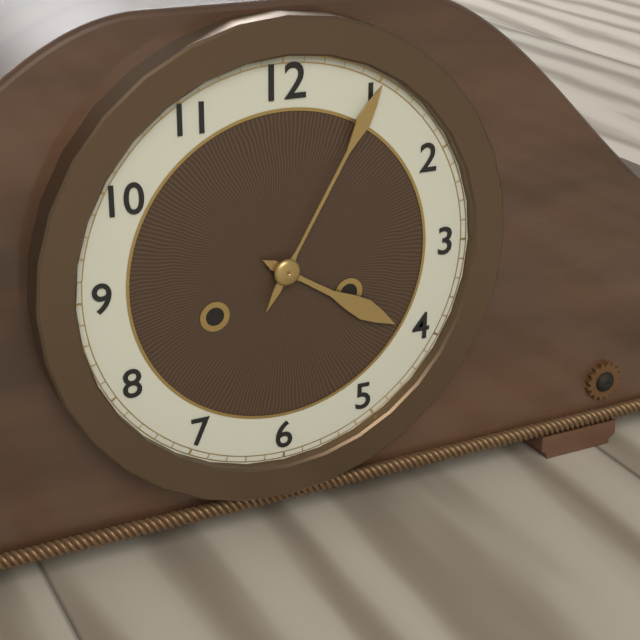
4:05
